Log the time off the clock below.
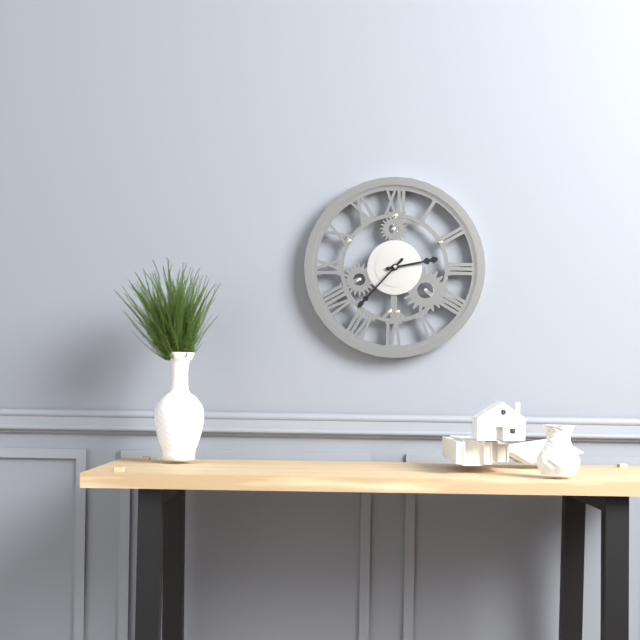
2:37
